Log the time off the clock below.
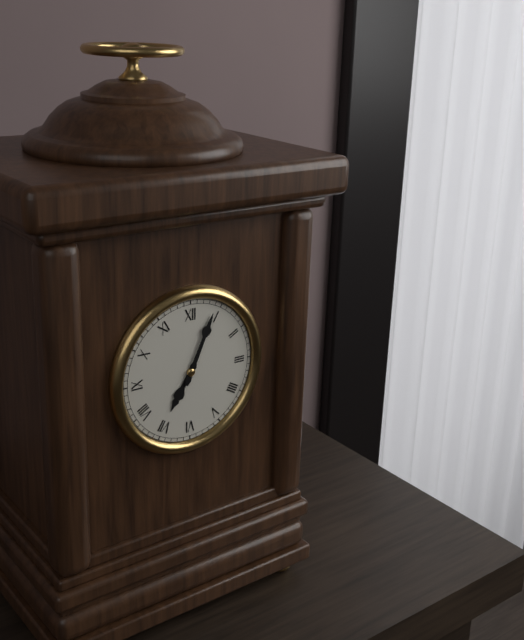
7:04
